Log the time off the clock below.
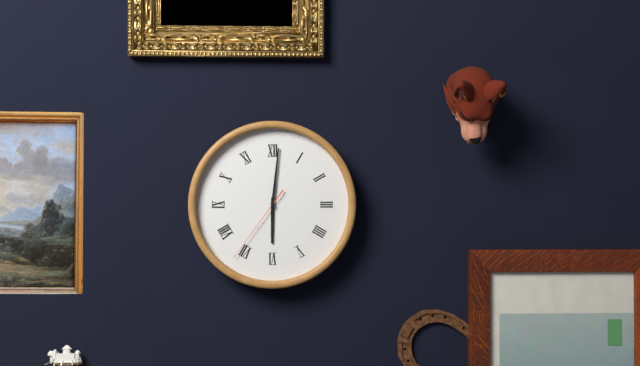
6:01:36
